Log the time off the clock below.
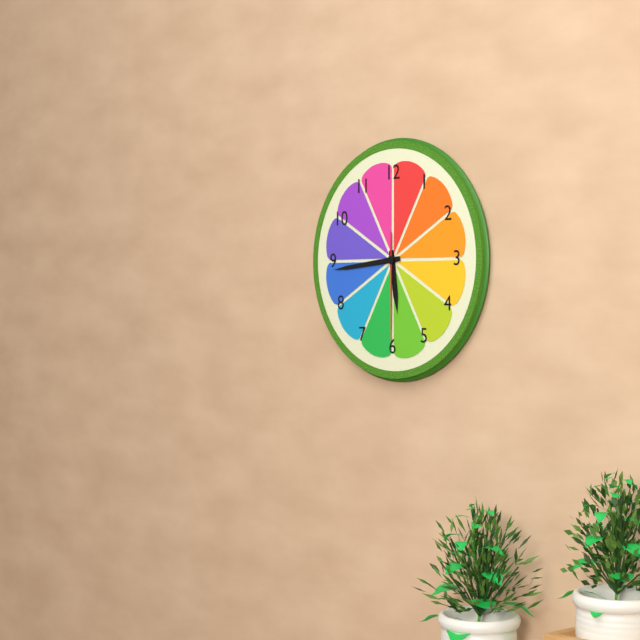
5:44:30
